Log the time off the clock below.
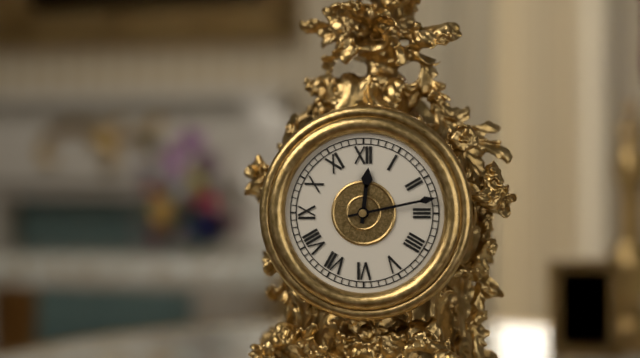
12:13
